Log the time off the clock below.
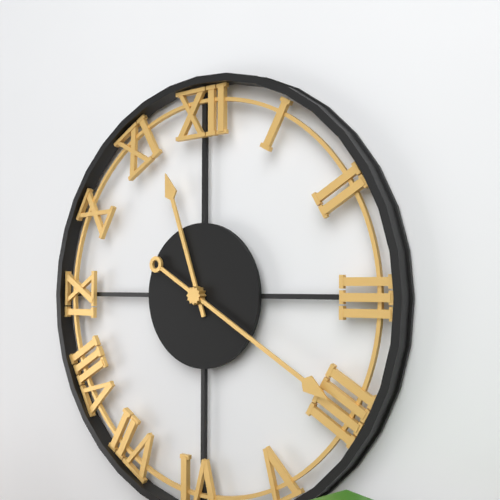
11:20
